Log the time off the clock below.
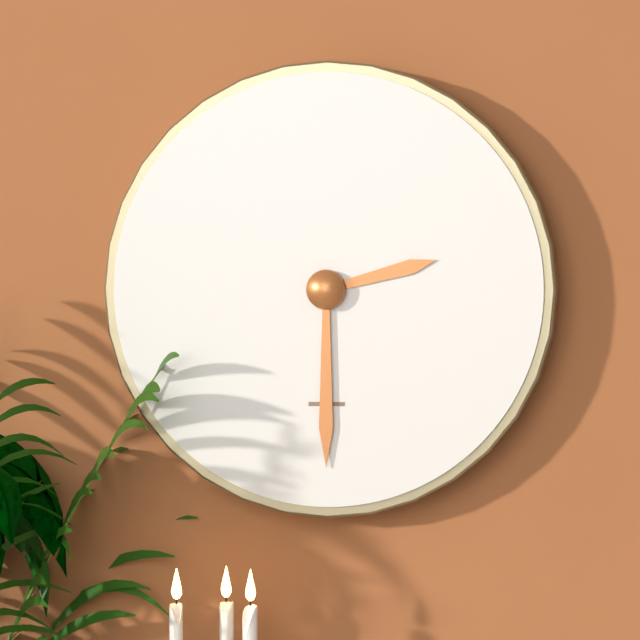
2:30
